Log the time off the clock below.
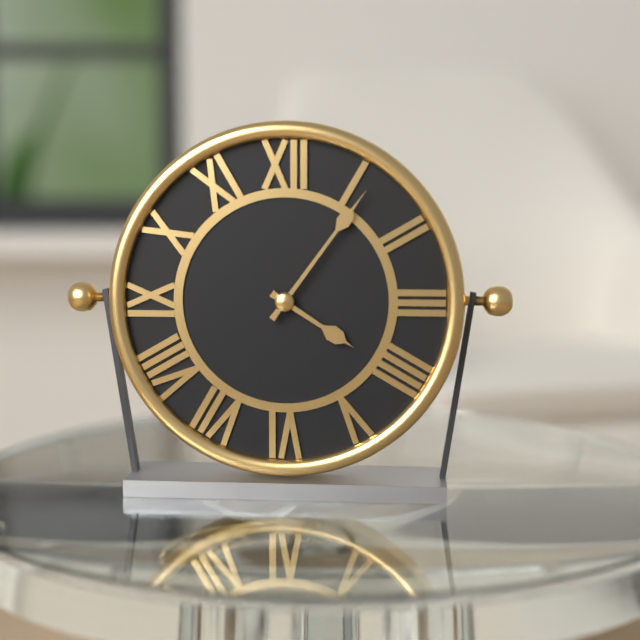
4:06
